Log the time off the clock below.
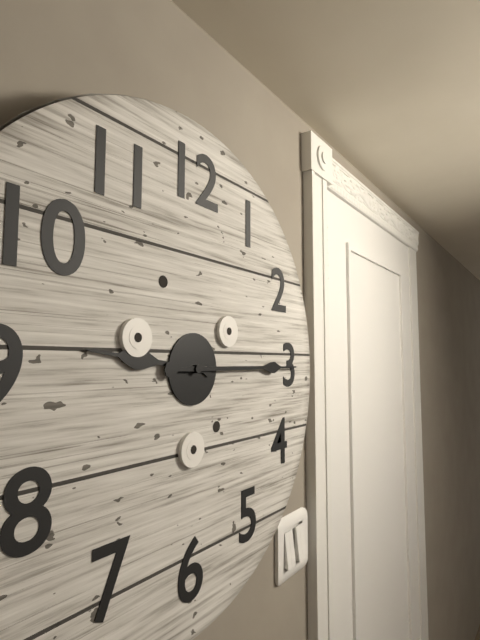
9:15
